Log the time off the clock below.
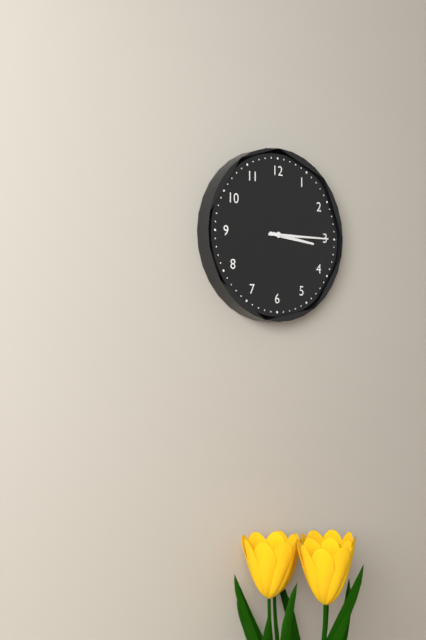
3:15
